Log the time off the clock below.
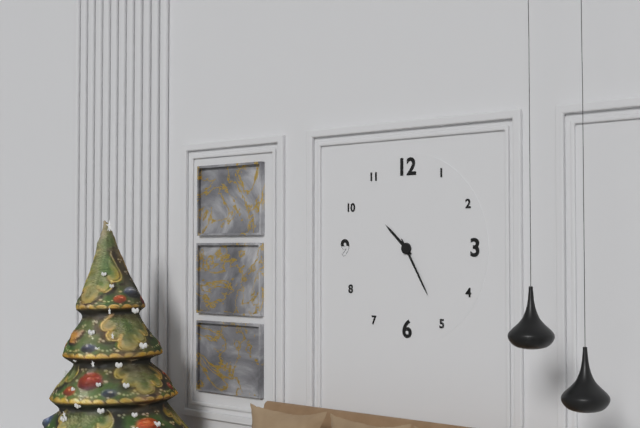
10:25
